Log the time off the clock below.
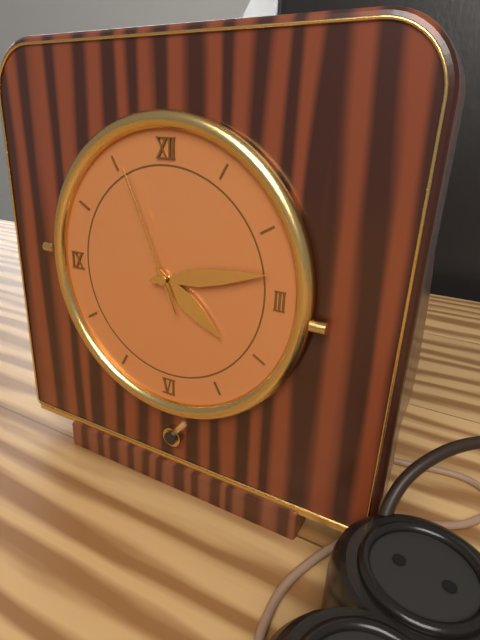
4:13:56
